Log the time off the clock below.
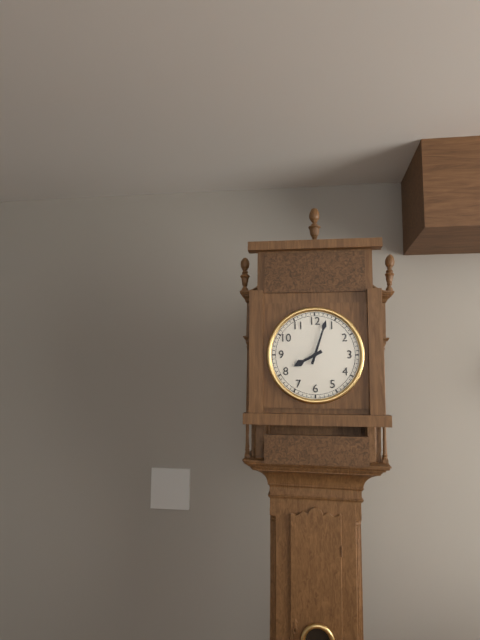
8:03
